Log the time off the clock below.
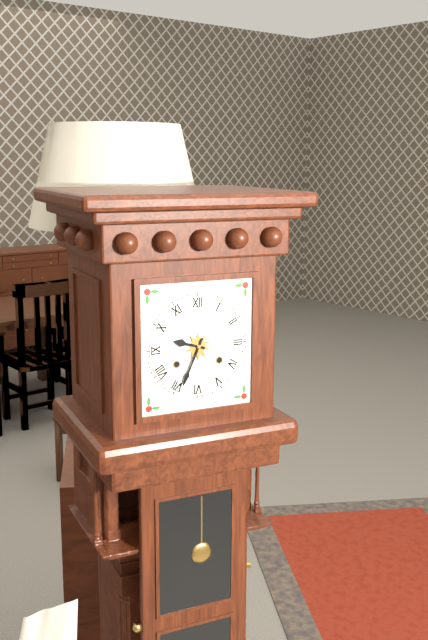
9:34
